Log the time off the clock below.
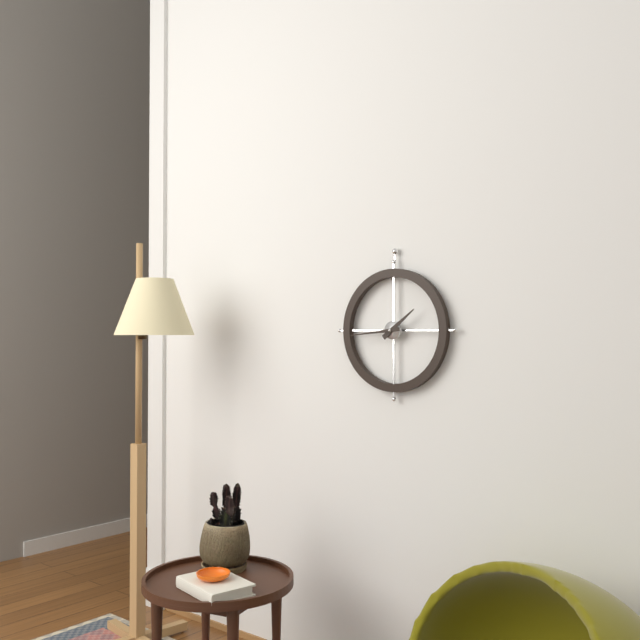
1:44
